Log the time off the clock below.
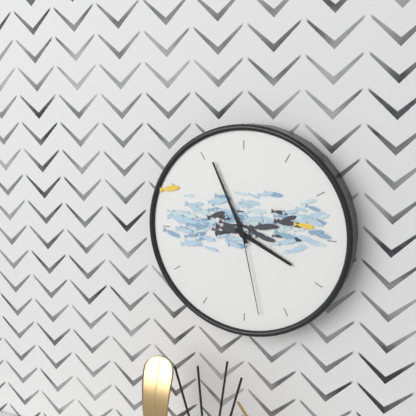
3:56:28
